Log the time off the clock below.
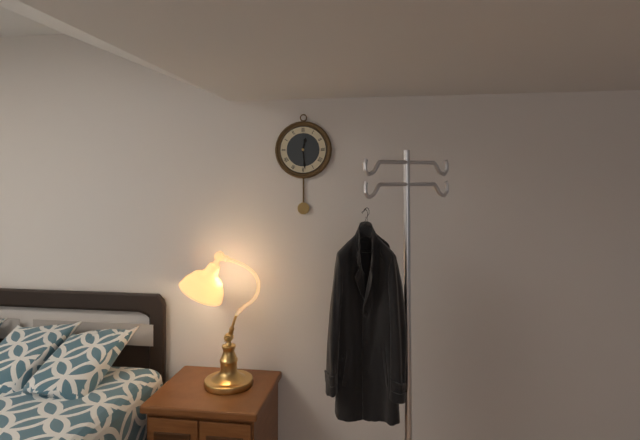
12:29
